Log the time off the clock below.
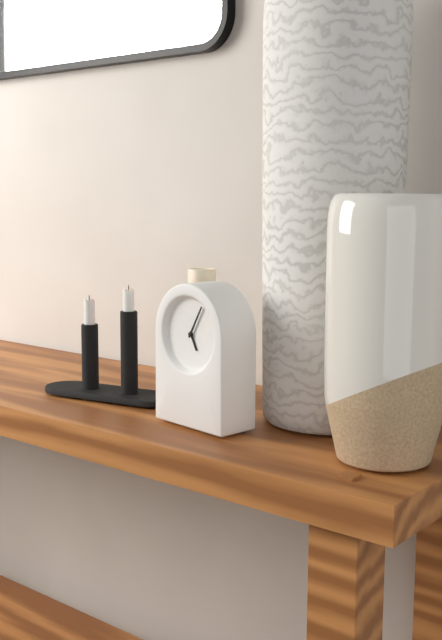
5:05
